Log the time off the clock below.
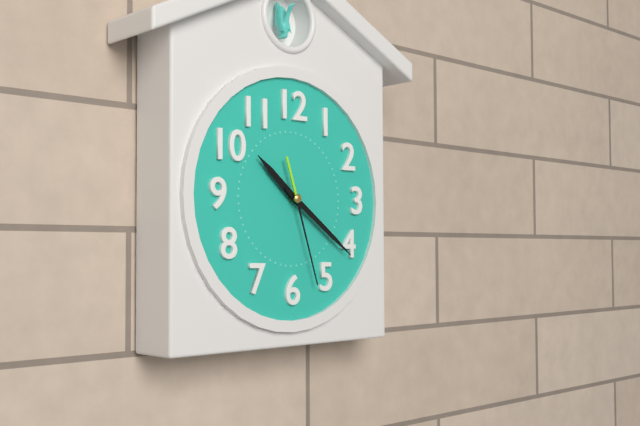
10:21:27
